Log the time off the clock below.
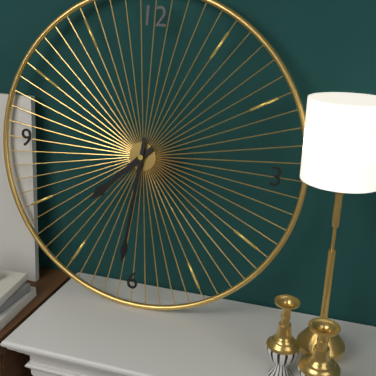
7:31
